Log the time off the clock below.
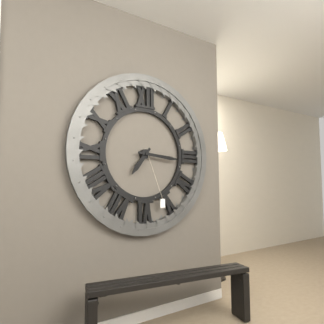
7:16
